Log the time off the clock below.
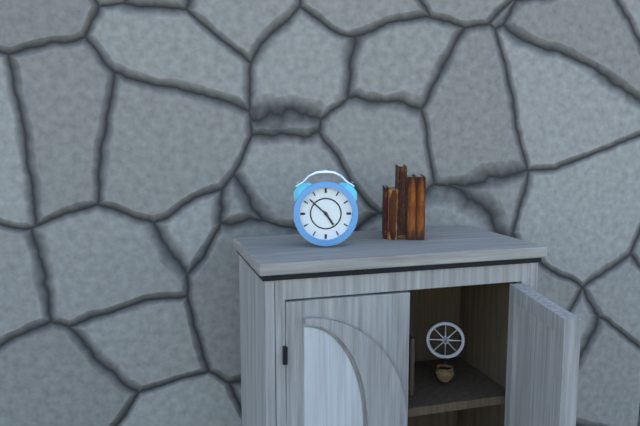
4:52
